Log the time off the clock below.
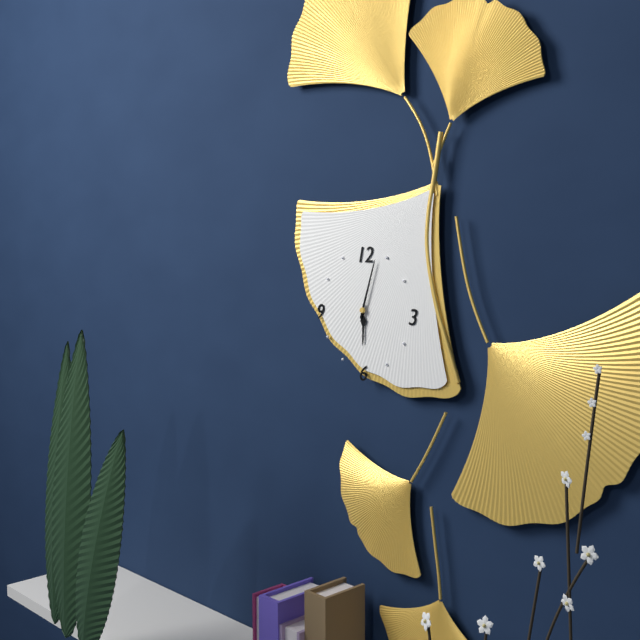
6:03
